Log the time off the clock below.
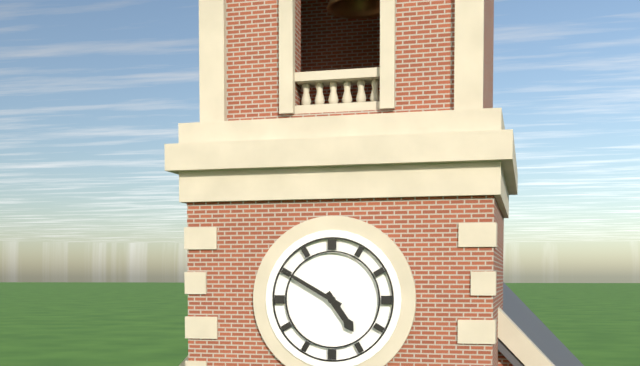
4:50
